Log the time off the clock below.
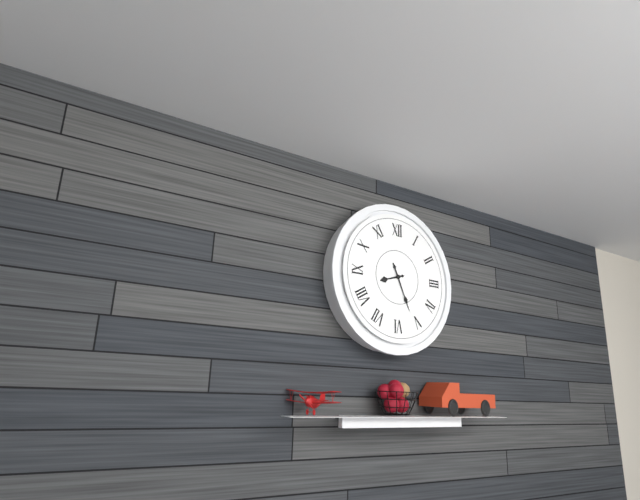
8:26
